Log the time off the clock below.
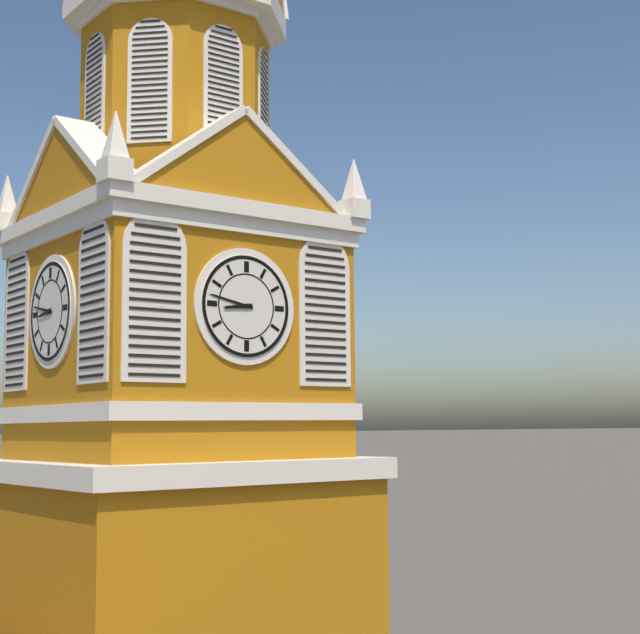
8:47
